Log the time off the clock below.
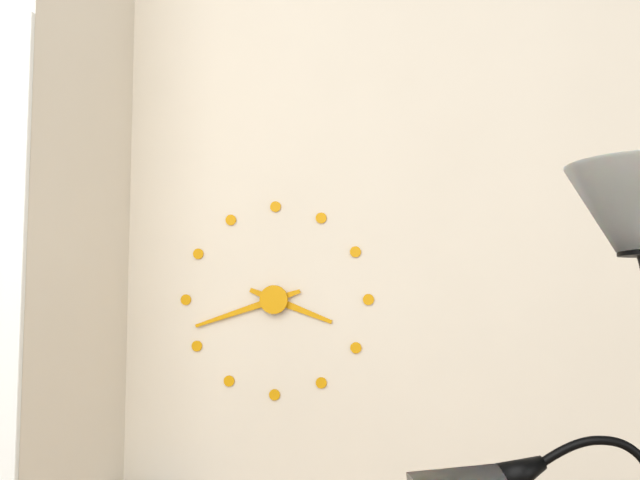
3:42
